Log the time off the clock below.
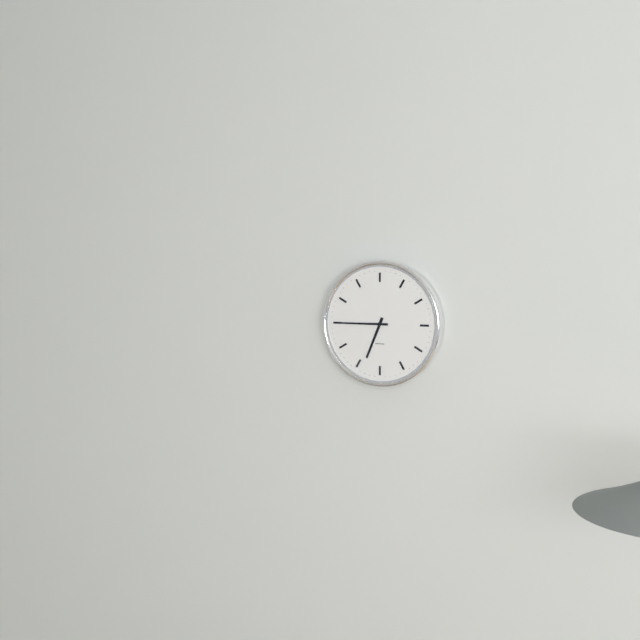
6:45
